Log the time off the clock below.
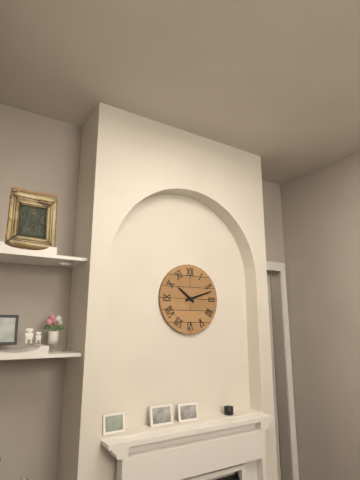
10:12
